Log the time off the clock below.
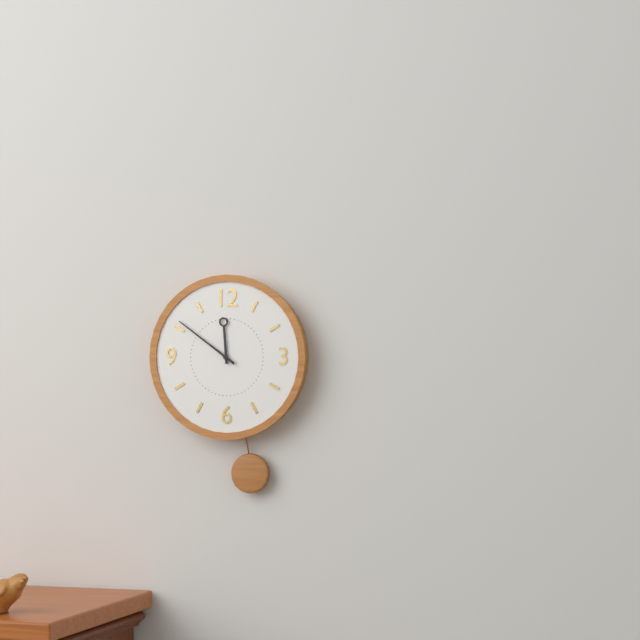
11:51
